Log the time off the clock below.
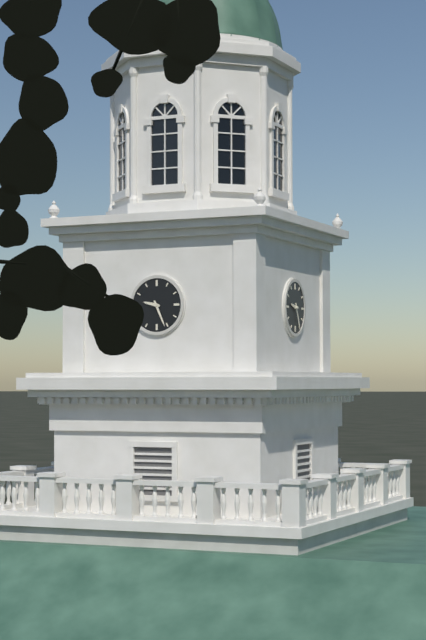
9:26
